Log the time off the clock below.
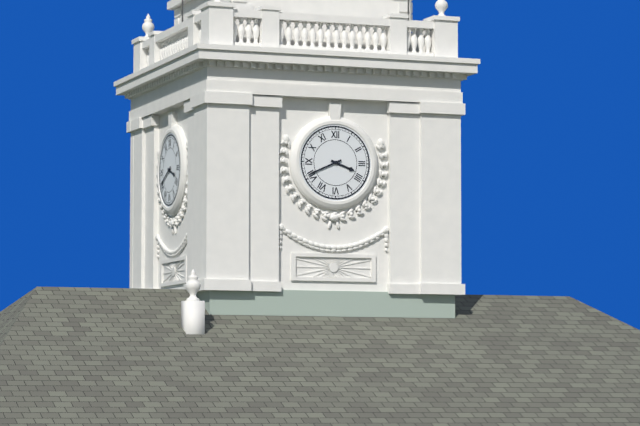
3:41
